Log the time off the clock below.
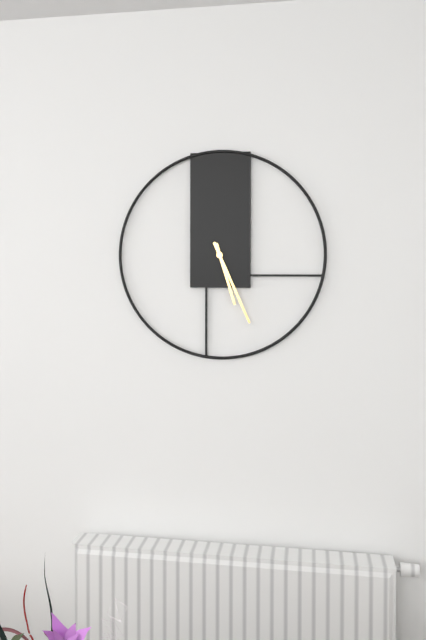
5:26
